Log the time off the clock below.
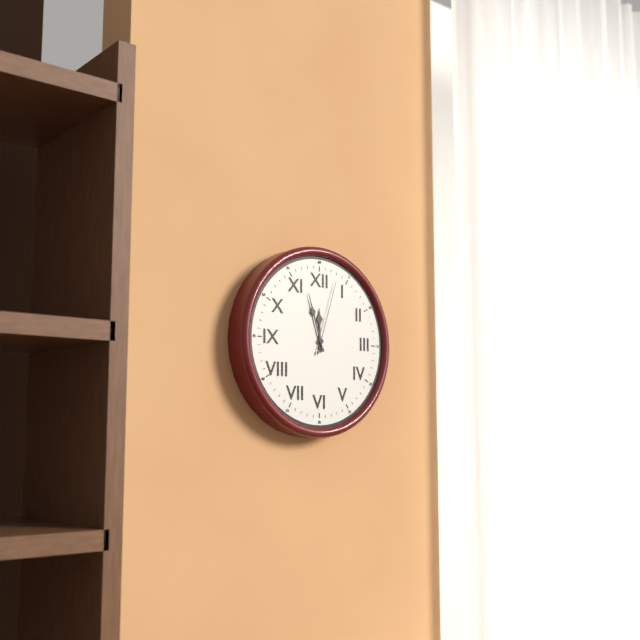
11:57:03
